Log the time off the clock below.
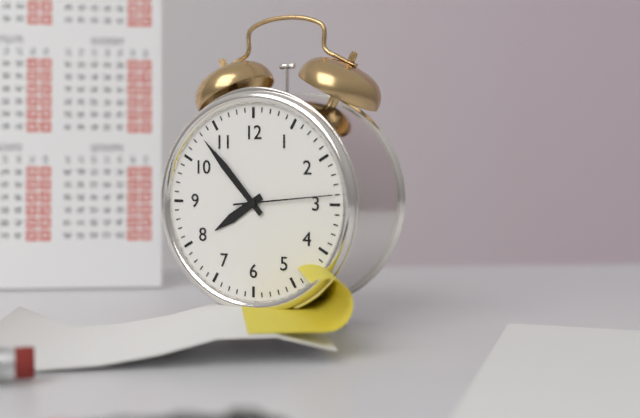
7:53:14
